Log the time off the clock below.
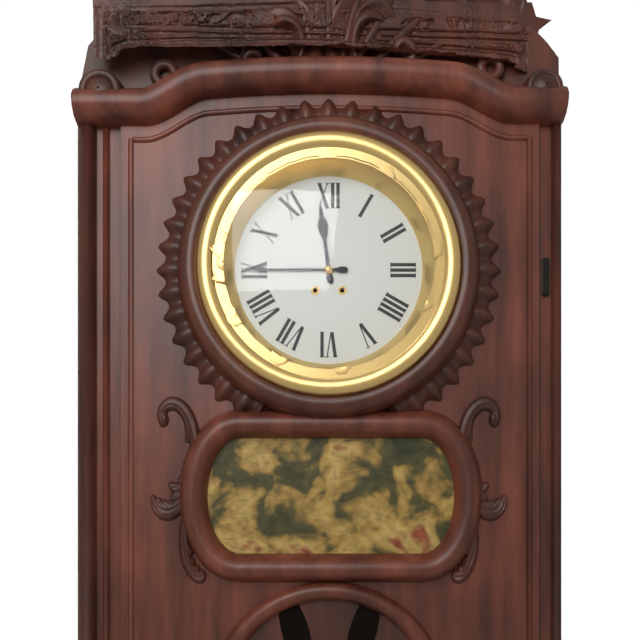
11:45
